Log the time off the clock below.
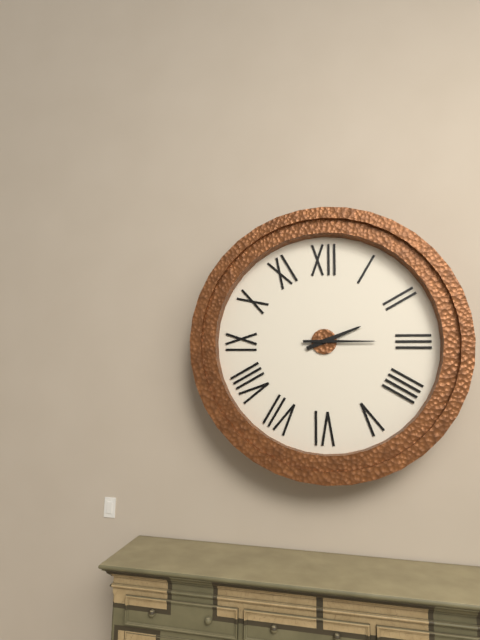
2:15
